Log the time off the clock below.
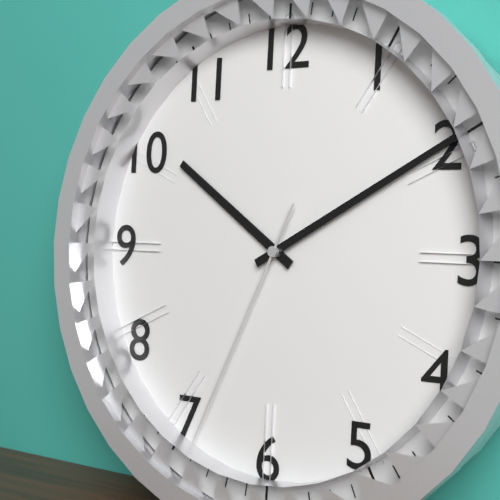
10:10:34
